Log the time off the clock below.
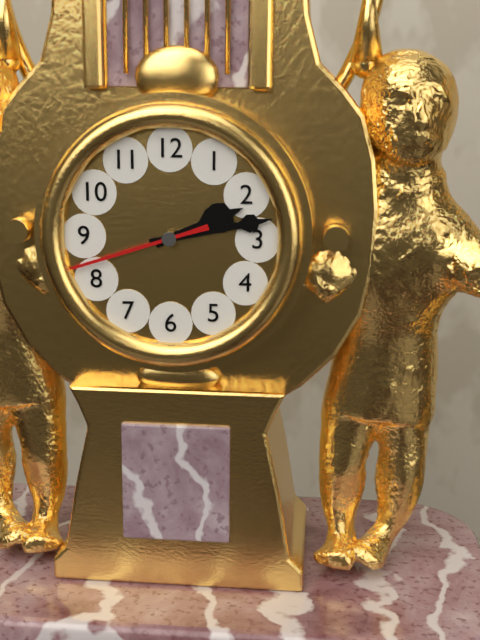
2:13:42
